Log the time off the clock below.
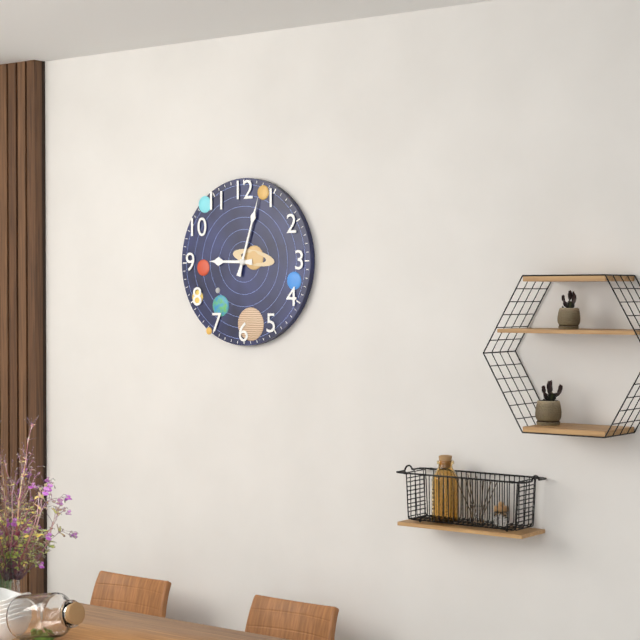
9:03
